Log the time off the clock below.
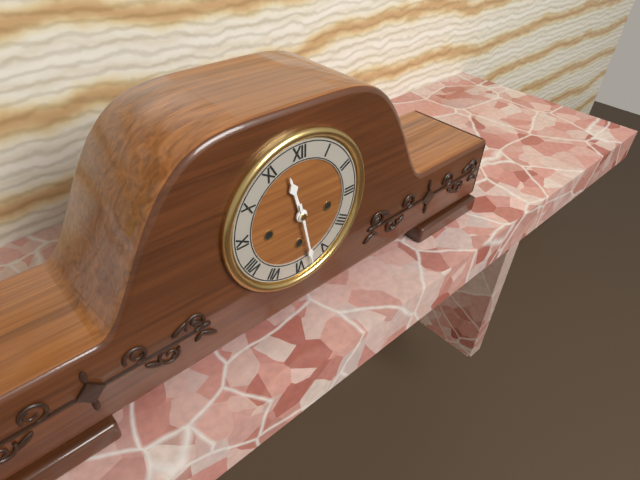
11:28
